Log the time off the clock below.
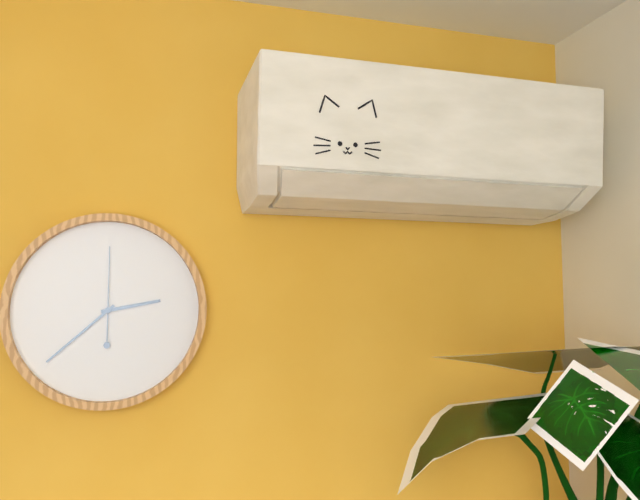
2:38:00
